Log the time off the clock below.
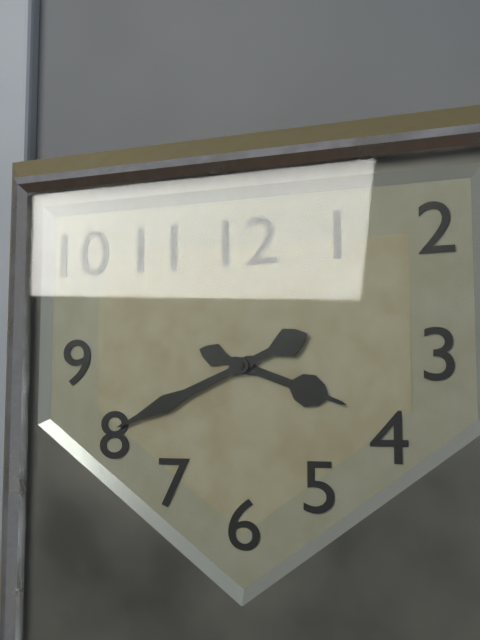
3:41
